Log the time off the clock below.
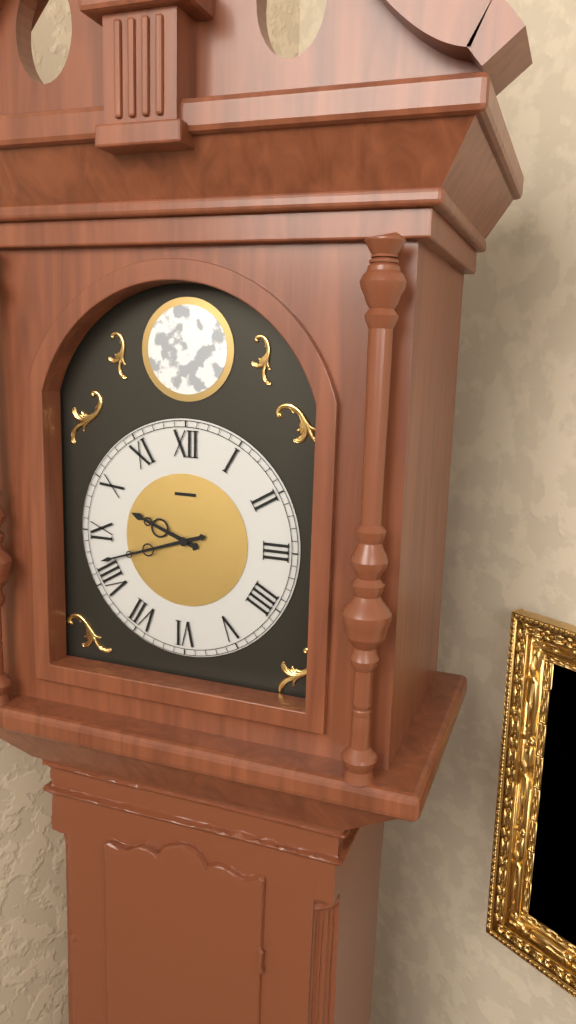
9:42
